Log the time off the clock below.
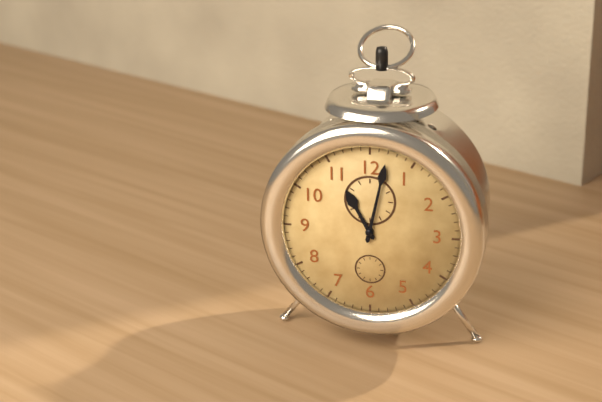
11:02
